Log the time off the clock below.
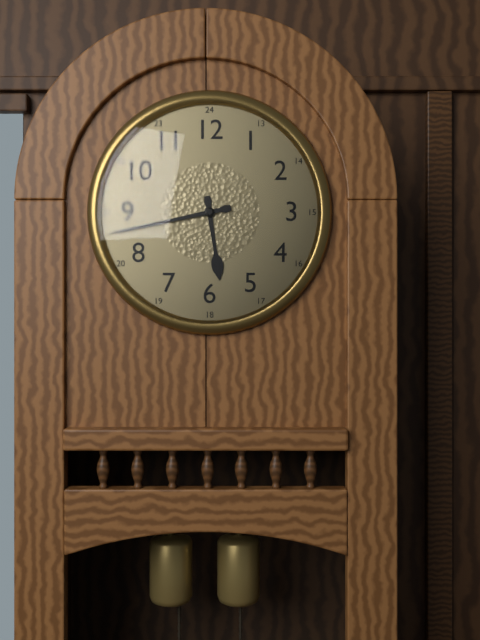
5:43
